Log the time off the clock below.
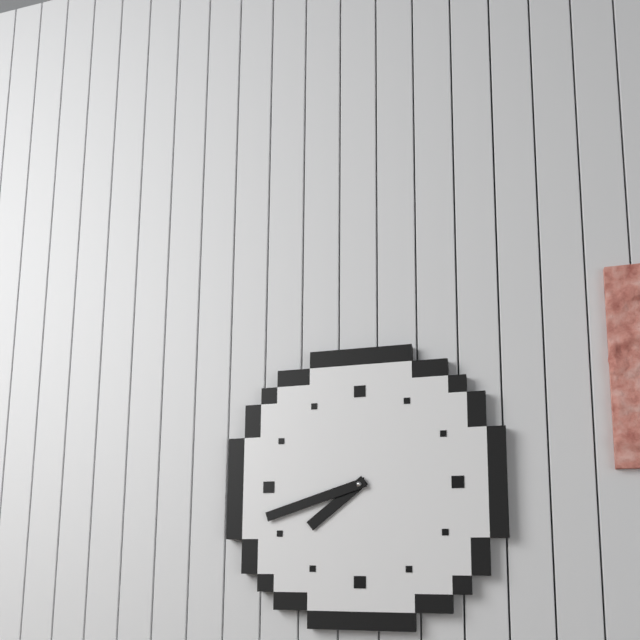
7:42
